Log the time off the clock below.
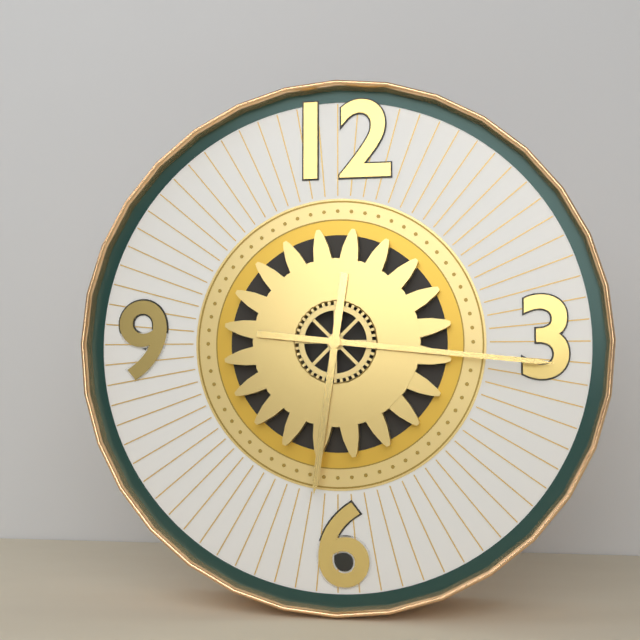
6:16
